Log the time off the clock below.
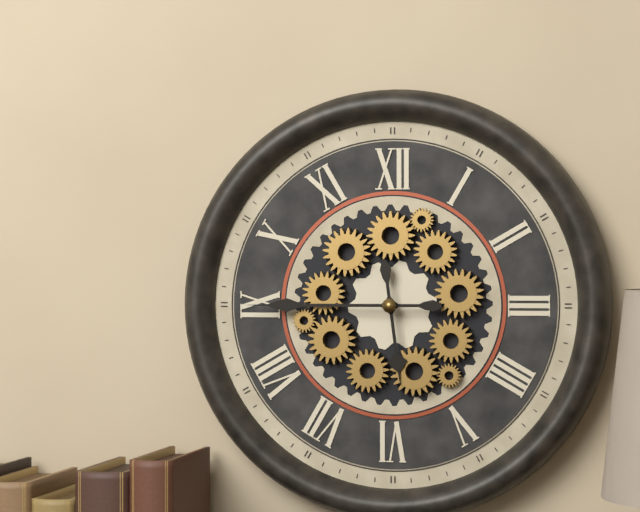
5:45
